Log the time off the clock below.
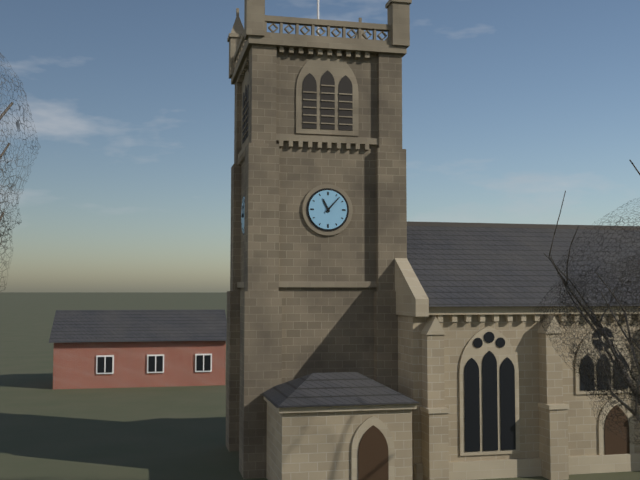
11:07
